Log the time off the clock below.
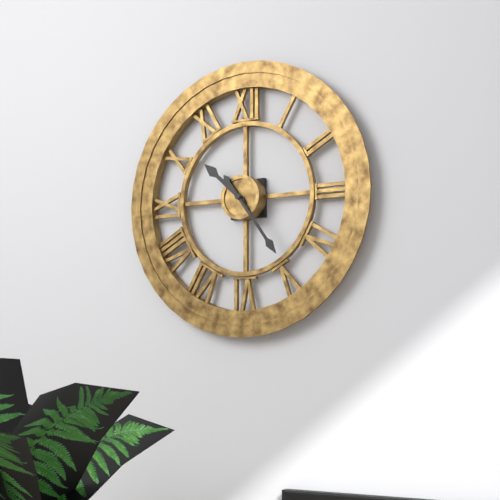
10:24
